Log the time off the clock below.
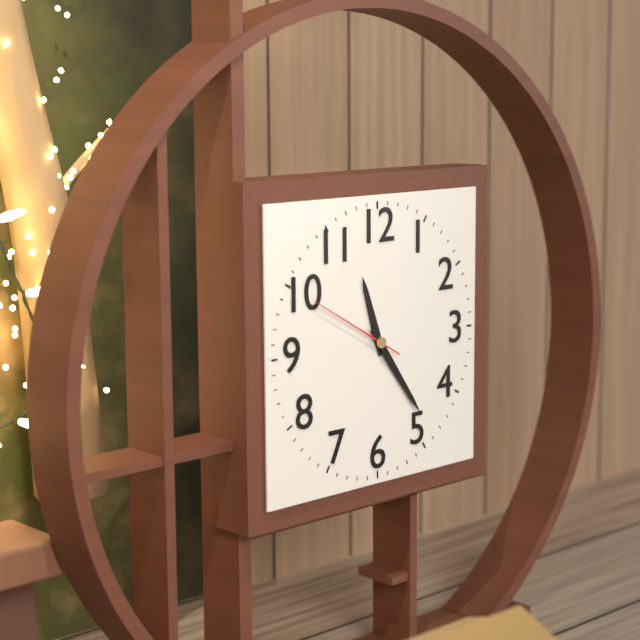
11:24:50
